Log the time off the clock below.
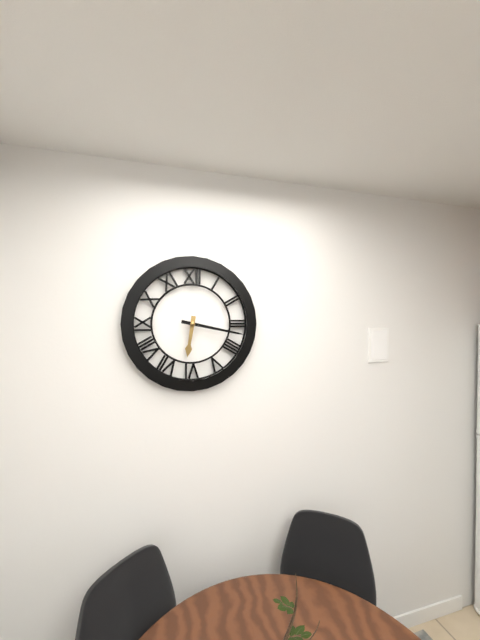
6:17
